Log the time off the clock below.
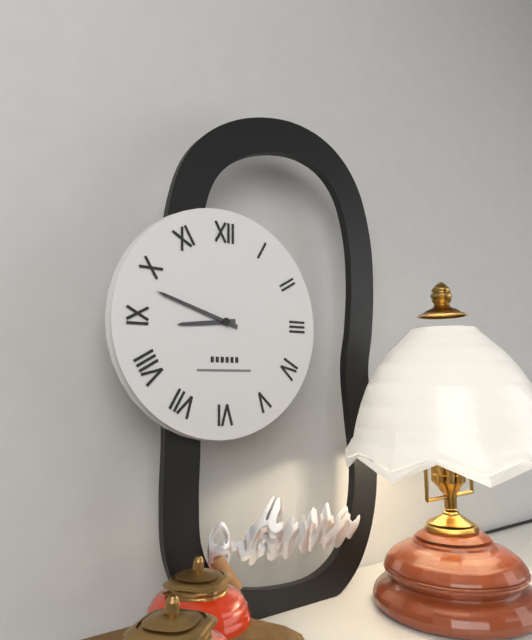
8:48
